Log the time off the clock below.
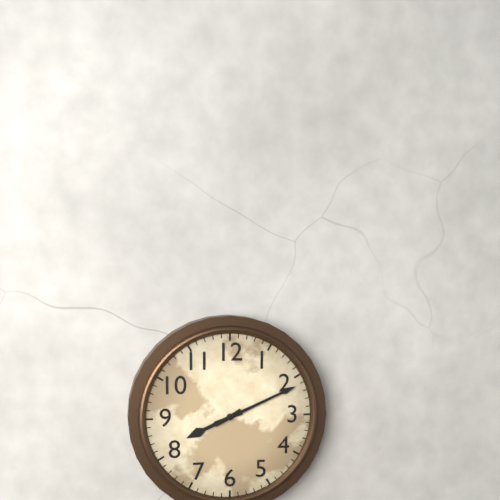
8:11
